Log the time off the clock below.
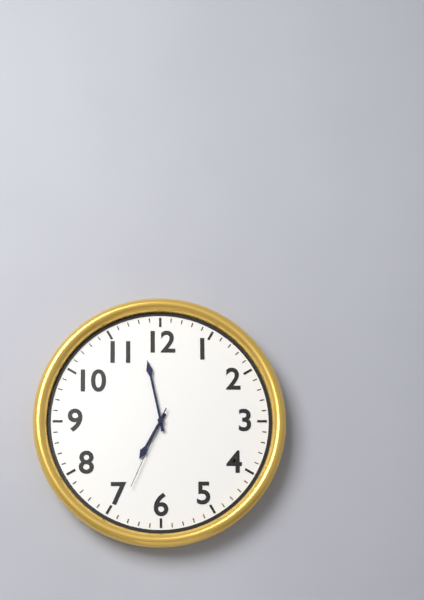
6:58:34
